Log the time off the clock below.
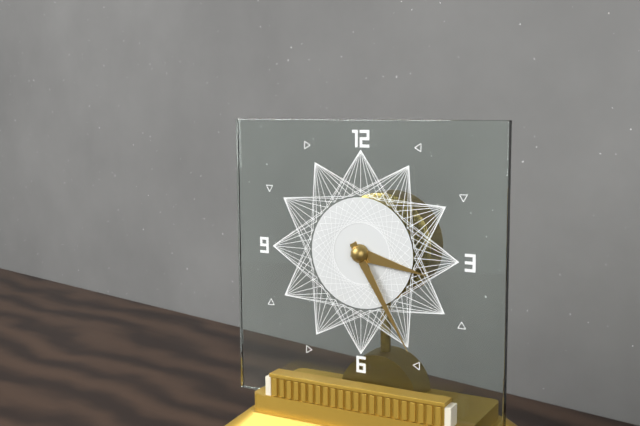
3:25
